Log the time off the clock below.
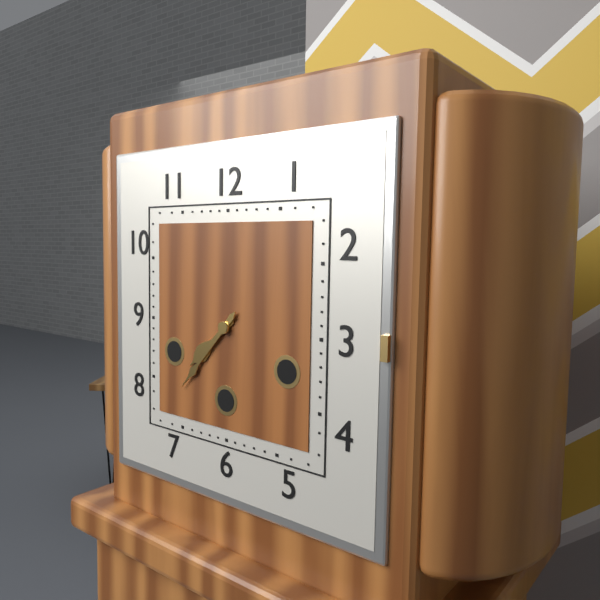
7:37
